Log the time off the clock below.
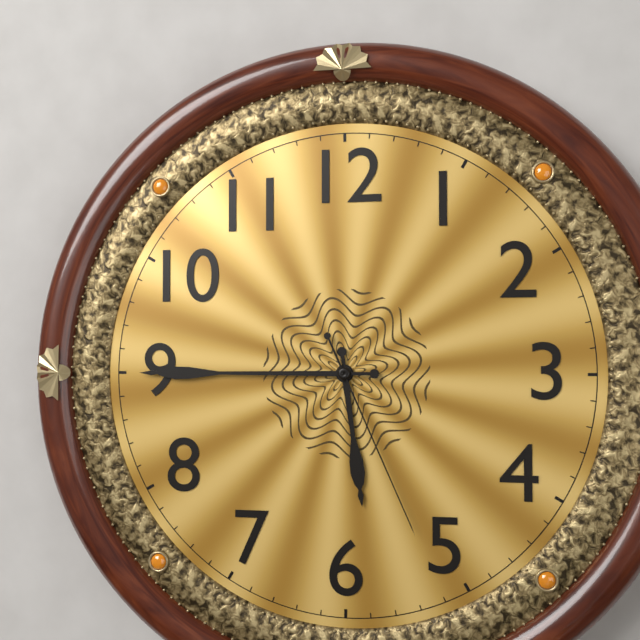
5:45:26
